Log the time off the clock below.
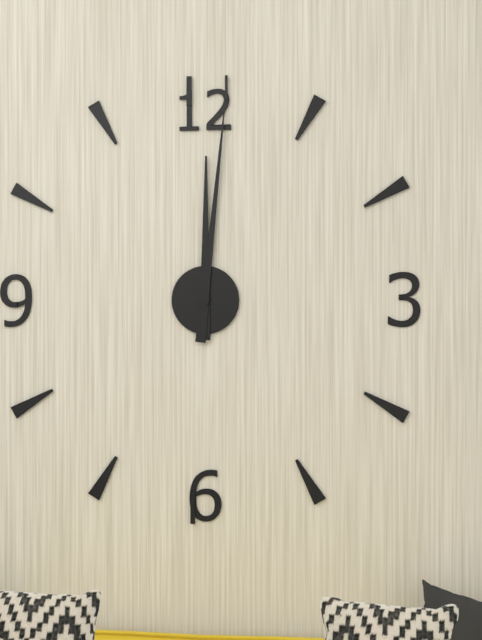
12:01
